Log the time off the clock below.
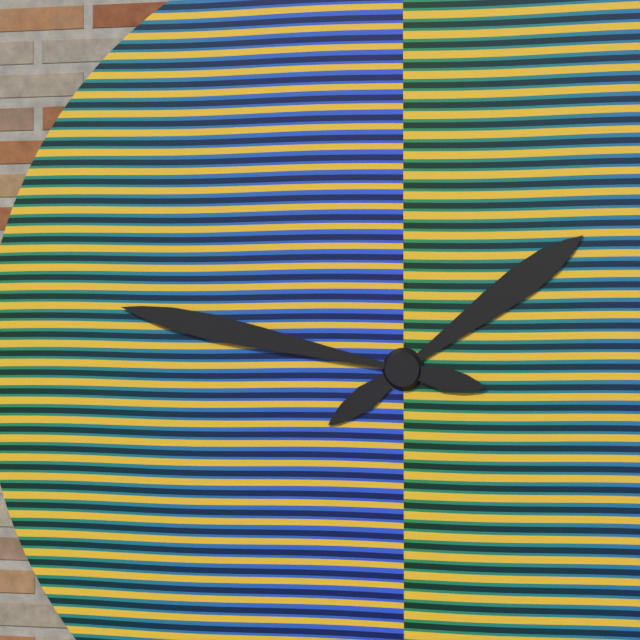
1:47
